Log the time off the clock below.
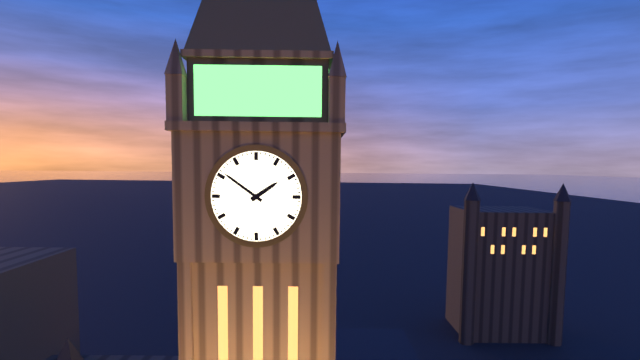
1:51
